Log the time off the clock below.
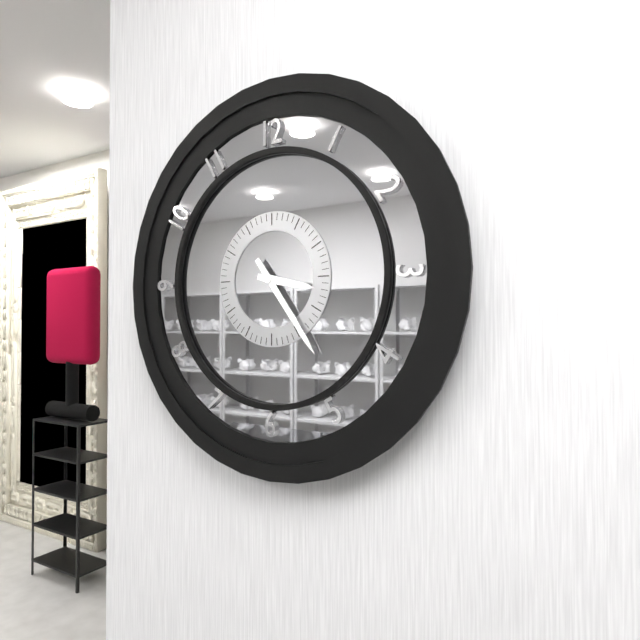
3:24
